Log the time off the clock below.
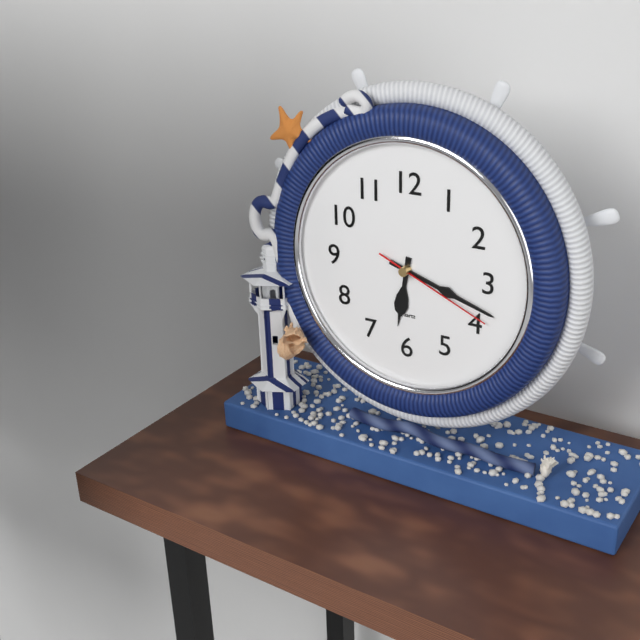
6:18:19
